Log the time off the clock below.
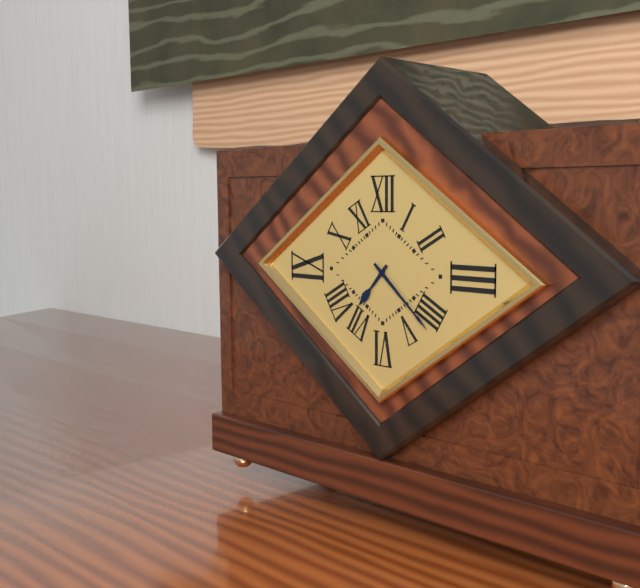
7:22
